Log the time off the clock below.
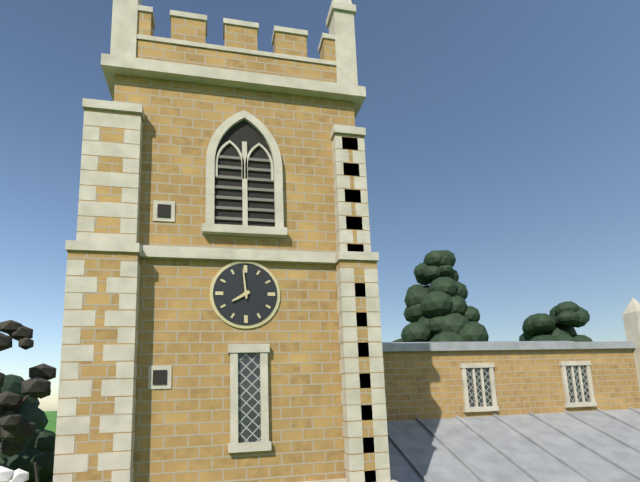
7:59
